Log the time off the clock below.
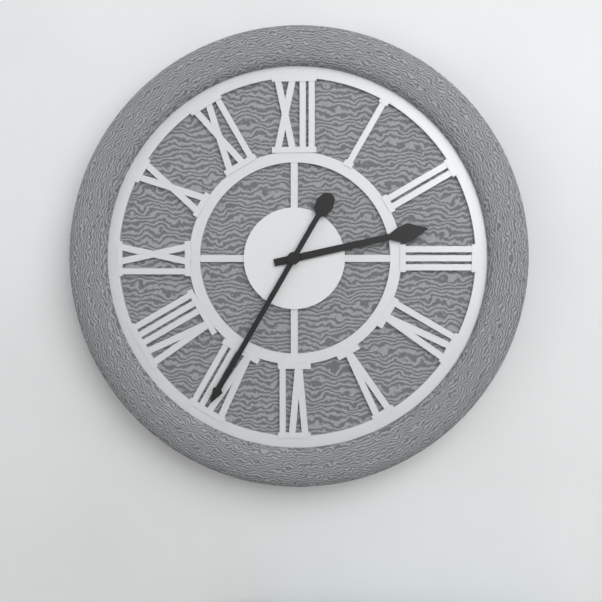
2:35
